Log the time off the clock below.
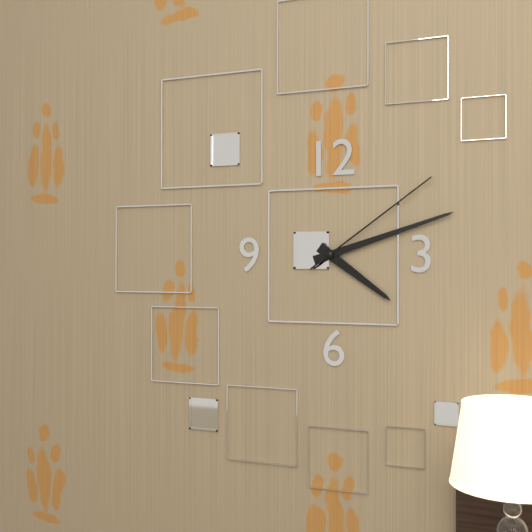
4:12:09
